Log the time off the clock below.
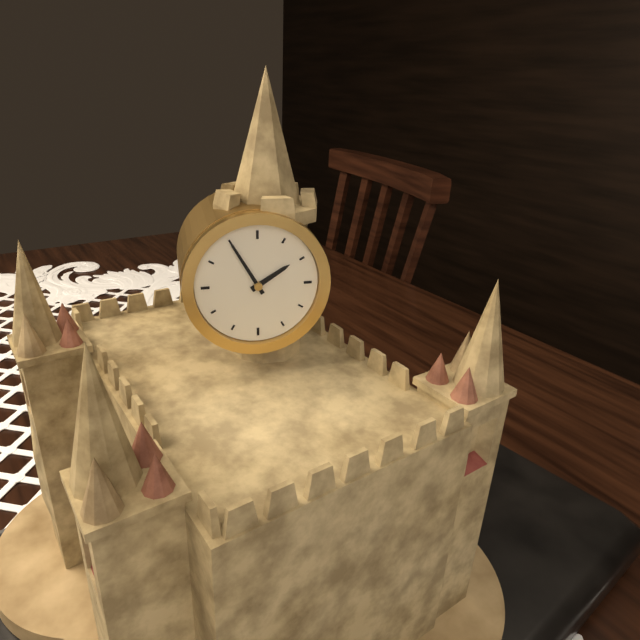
1:55
